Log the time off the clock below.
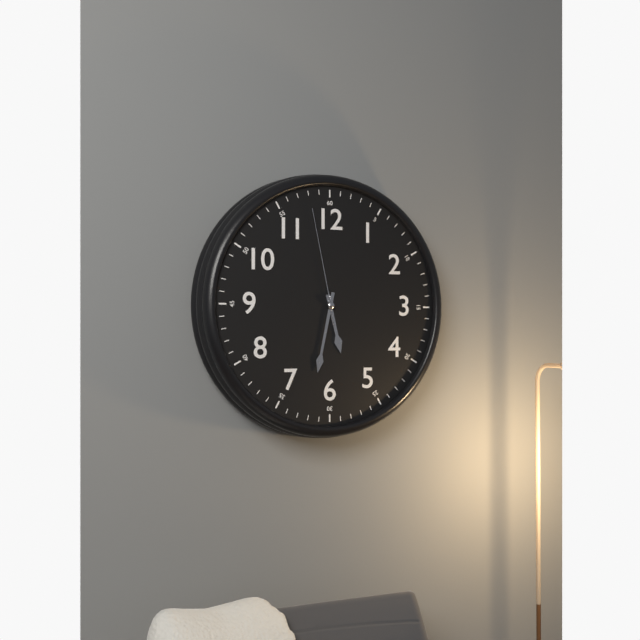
5:32:58
